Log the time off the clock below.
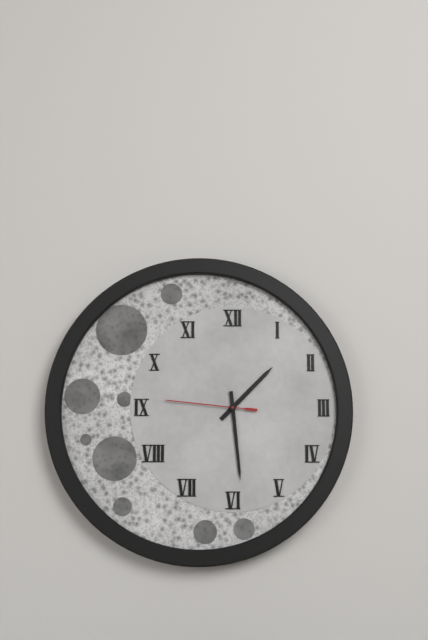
1:29:46
